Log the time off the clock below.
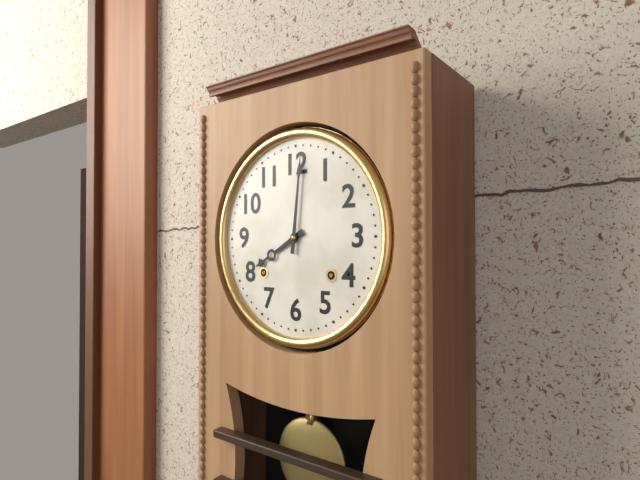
8:01
